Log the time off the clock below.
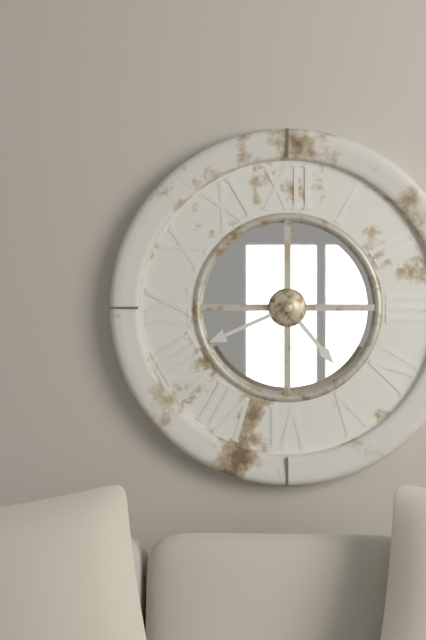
4:41
